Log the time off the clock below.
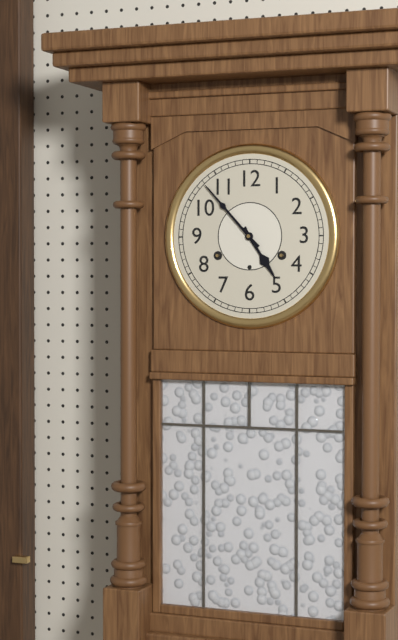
4:53
